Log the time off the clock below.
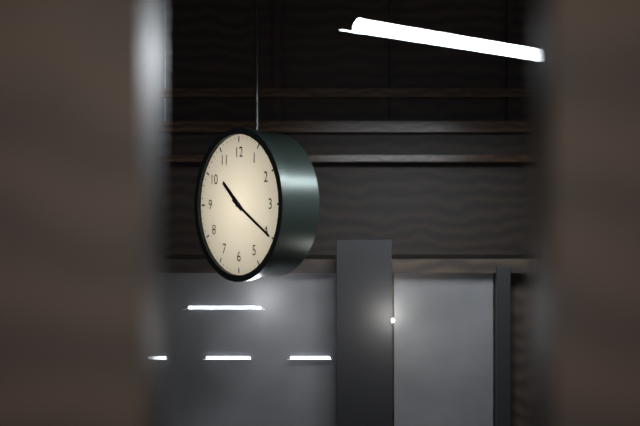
10:20
